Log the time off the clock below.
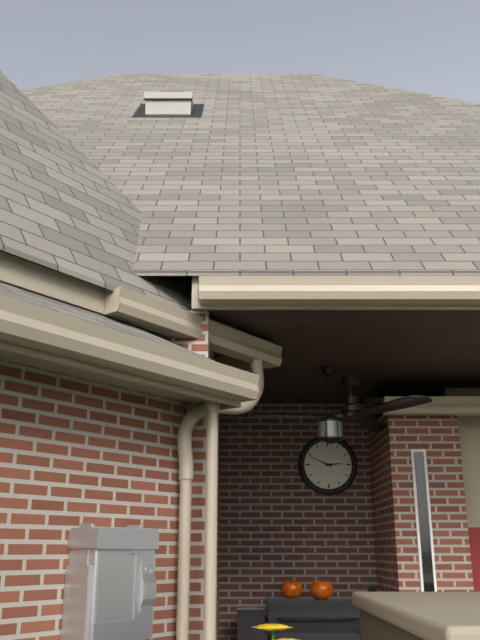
2:49
